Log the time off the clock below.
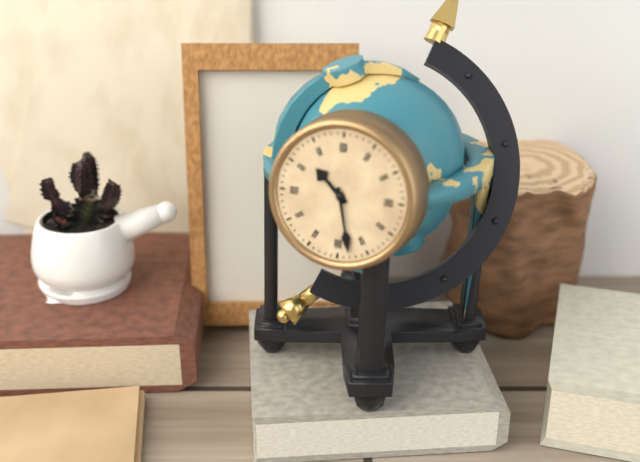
10:28
